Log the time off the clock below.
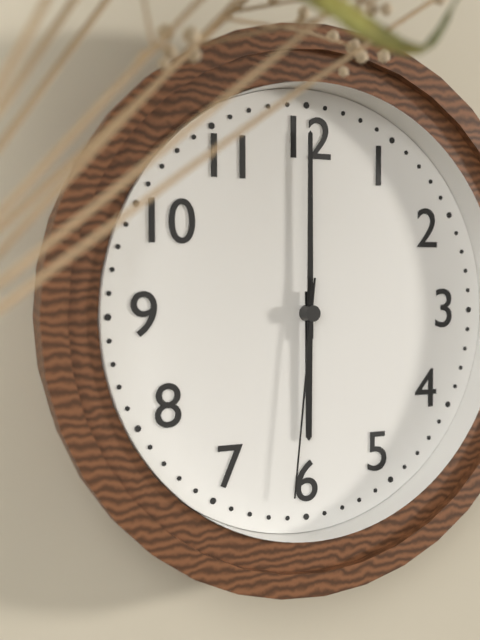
6:00:31
